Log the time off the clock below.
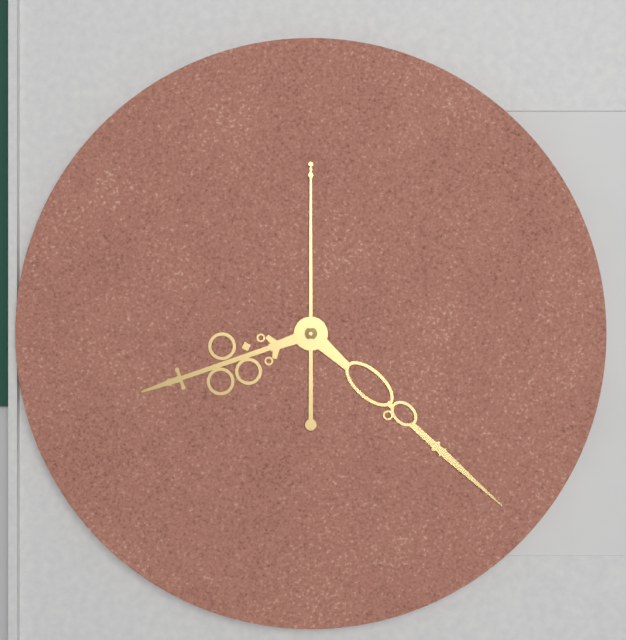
8:22:00
